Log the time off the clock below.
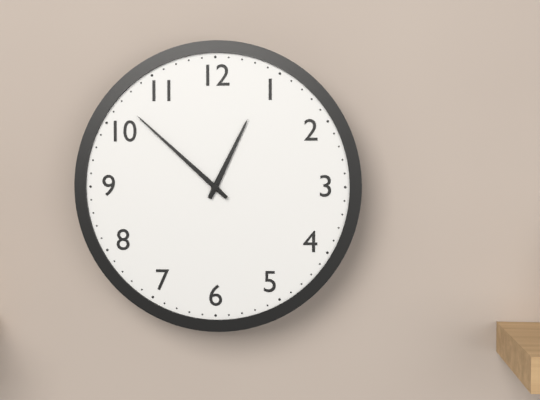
12:52
